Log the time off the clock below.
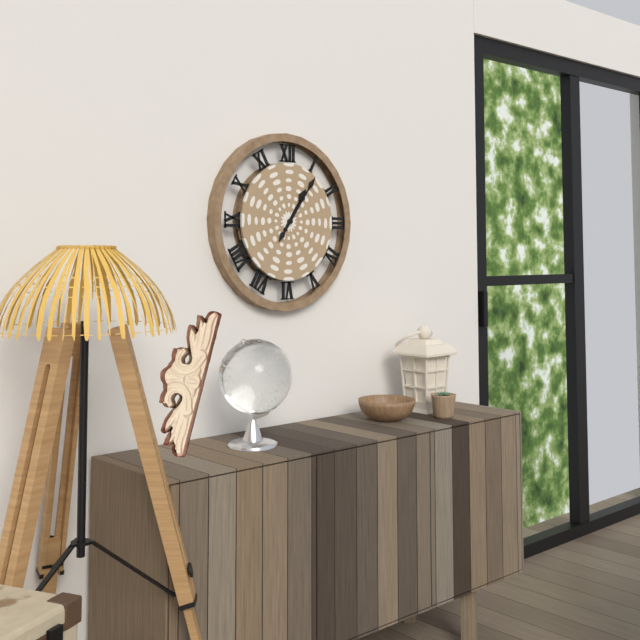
1:06
